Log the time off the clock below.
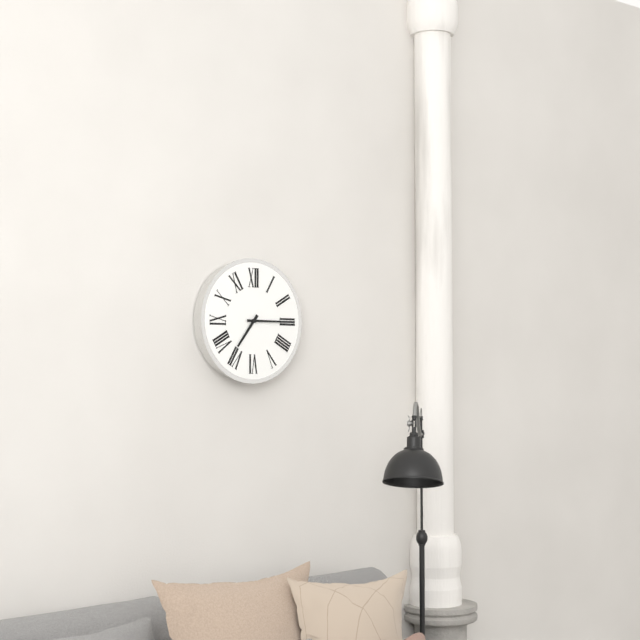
7:15
